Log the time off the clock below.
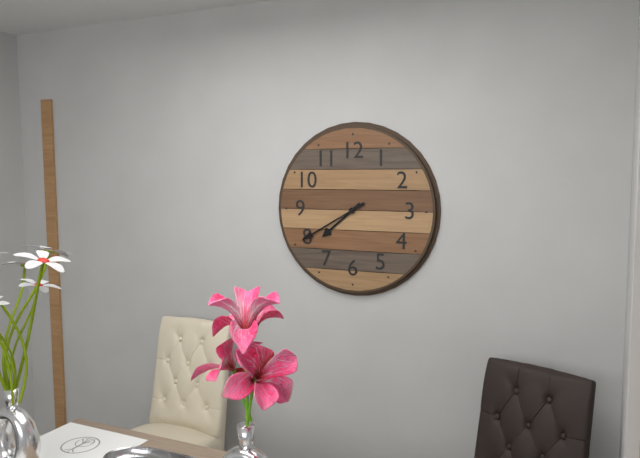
7:40
